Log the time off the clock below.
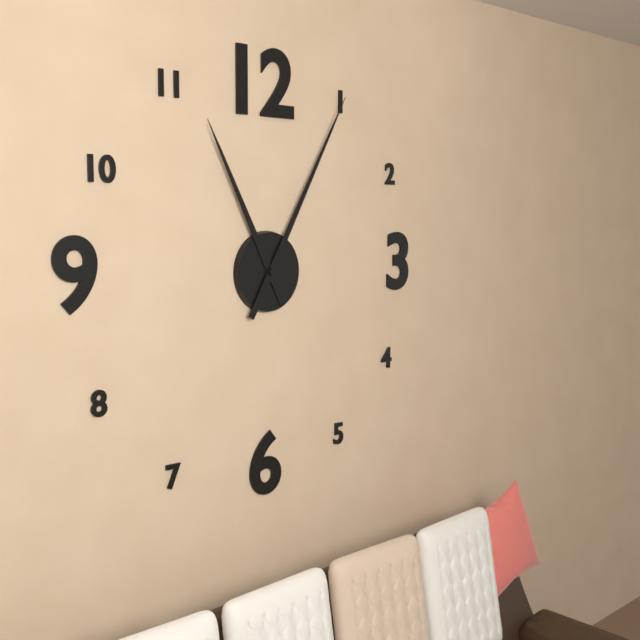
11:05
